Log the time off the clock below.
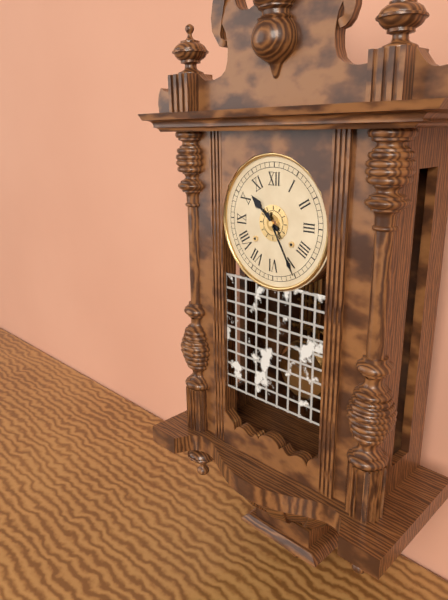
10:25
